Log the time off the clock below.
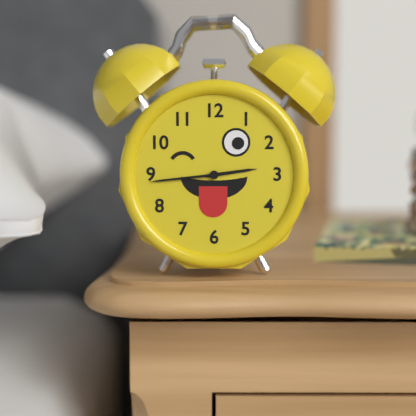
2:44
